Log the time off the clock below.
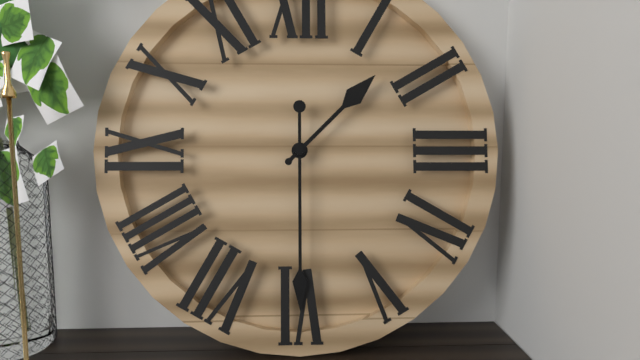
1:30
